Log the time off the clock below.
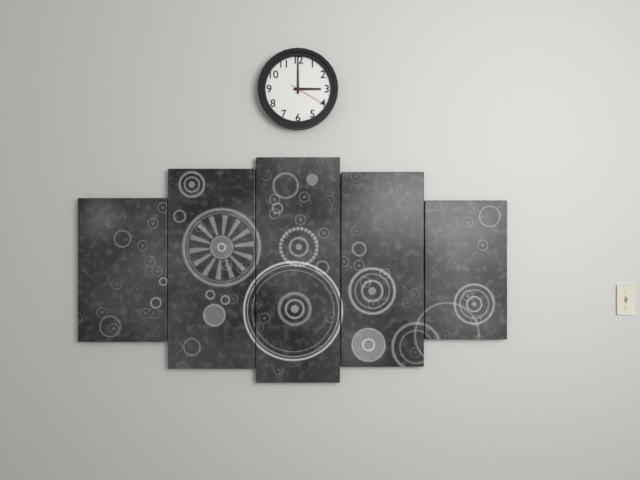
3:00
